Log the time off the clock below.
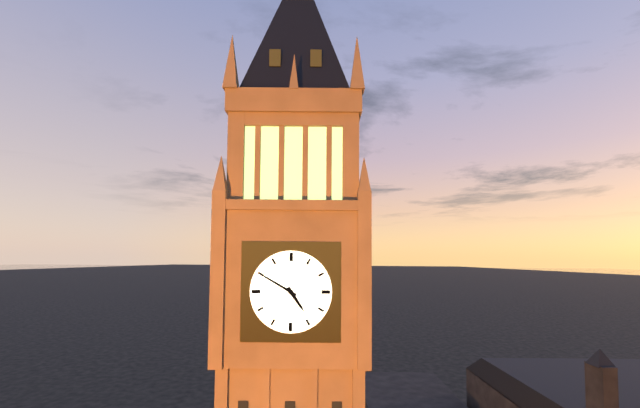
4:50
